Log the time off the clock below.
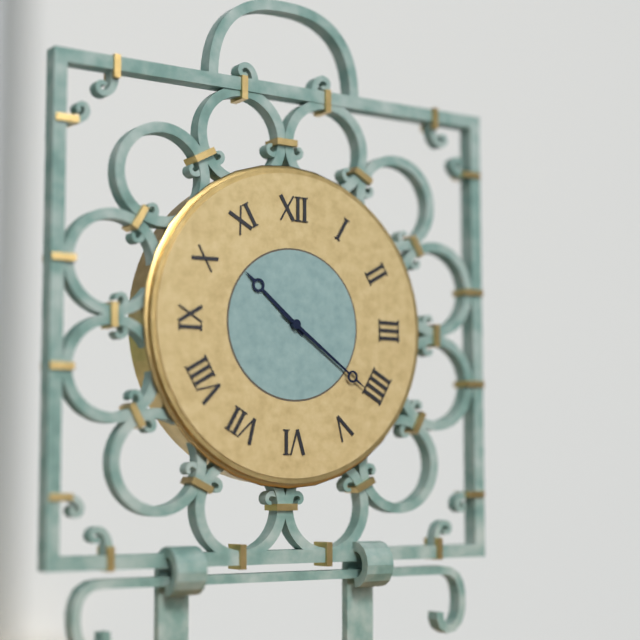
10:21
